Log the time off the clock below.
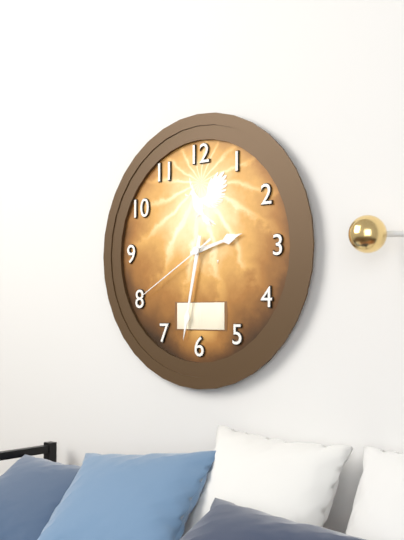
2:32:40
